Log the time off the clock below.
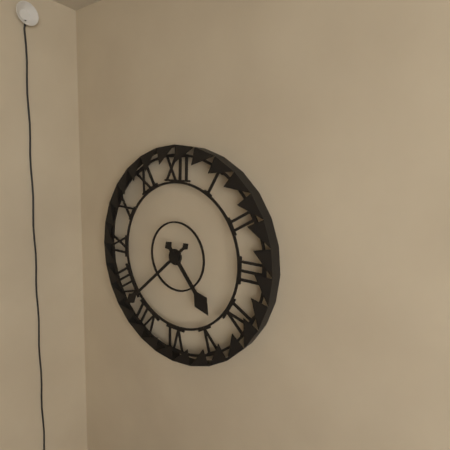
4:38
